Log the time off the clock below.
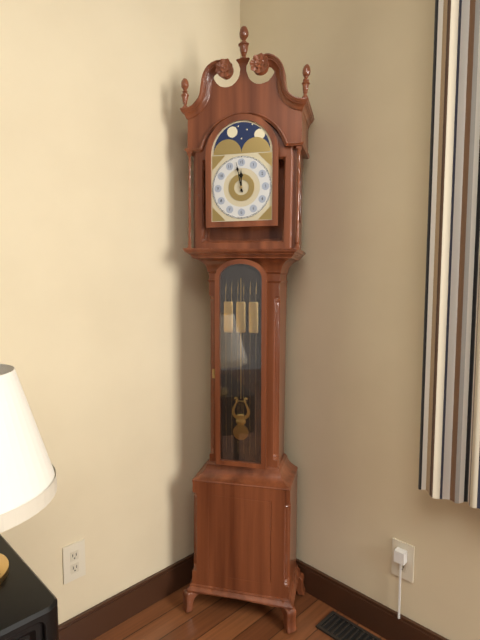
11:58
